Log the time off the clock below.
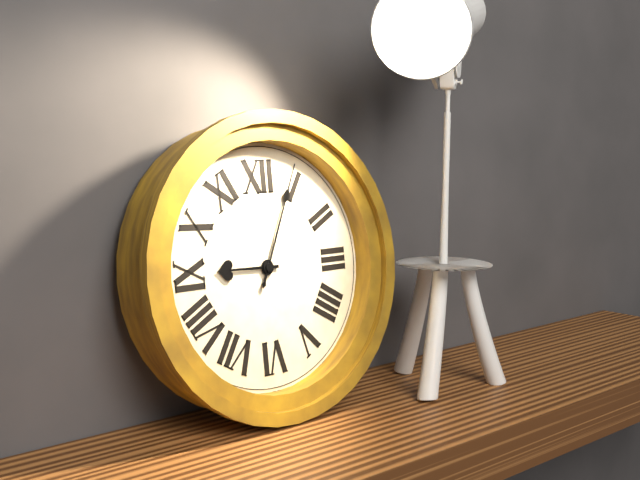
9:04
